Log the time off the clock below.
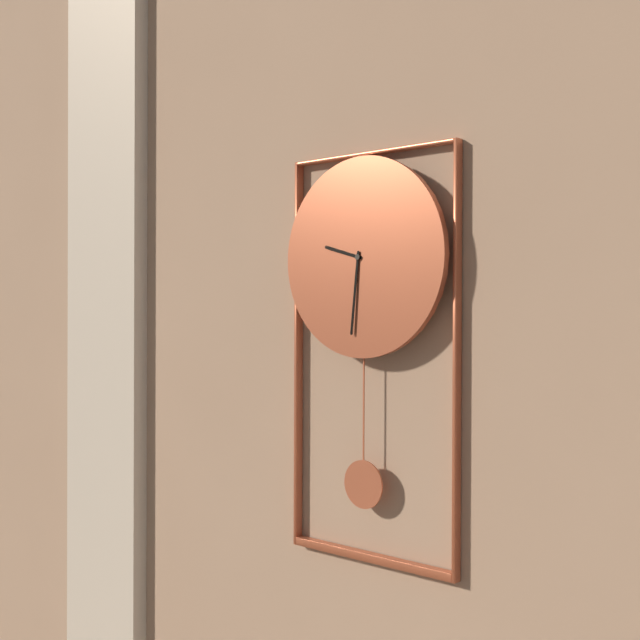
9:31
